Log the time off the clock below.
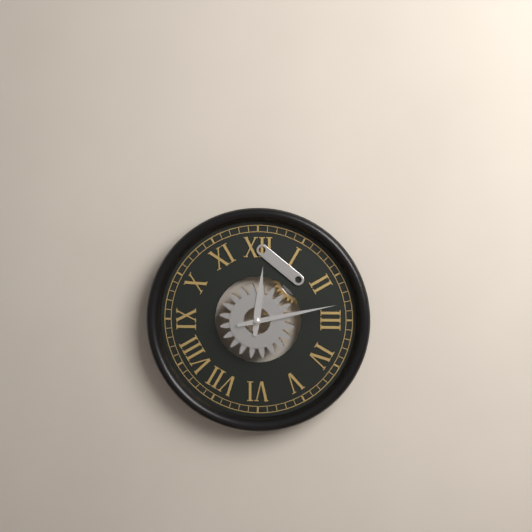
12:13
